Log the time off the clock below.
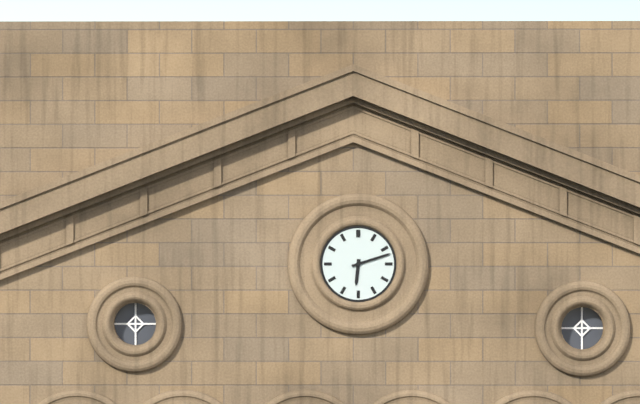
6:12
